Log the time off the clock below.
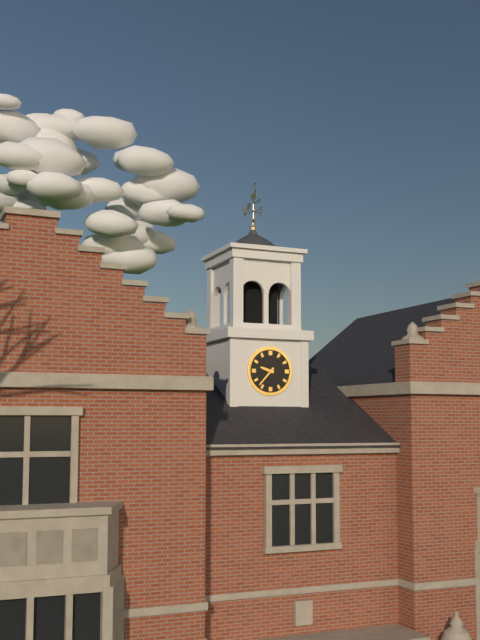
9:37
